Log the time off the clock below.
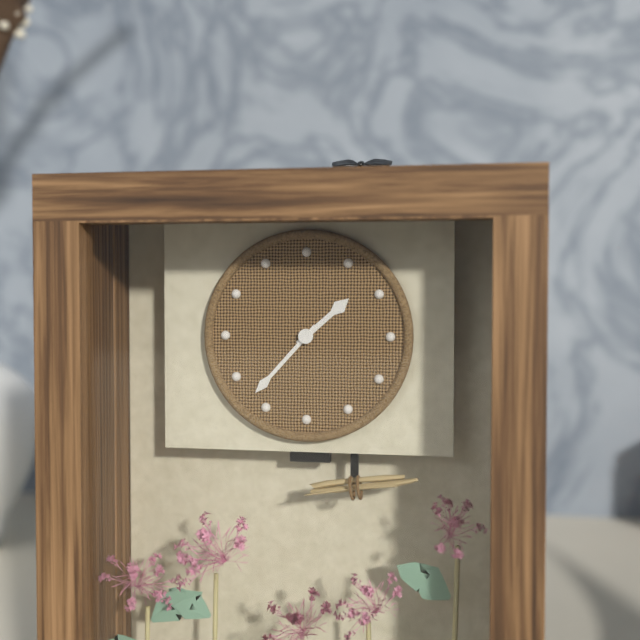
1:37
